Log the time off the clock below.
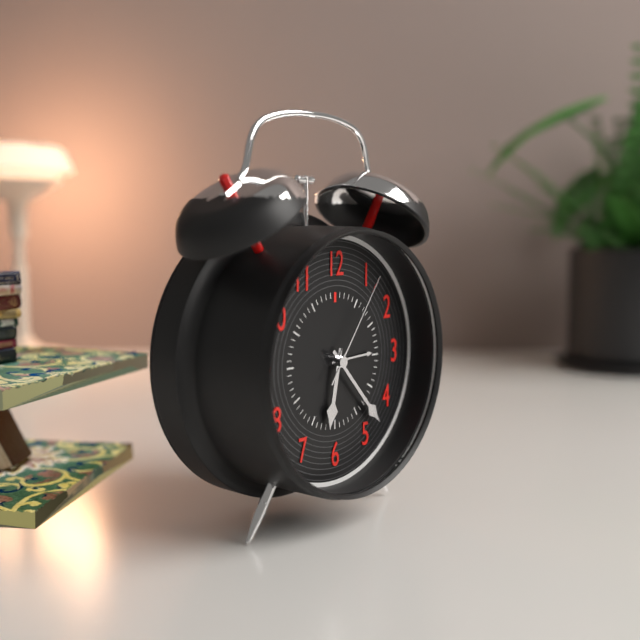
6:23:06
